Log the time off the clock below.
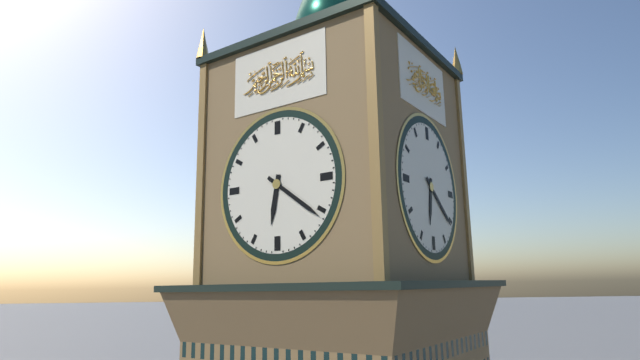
6:21
